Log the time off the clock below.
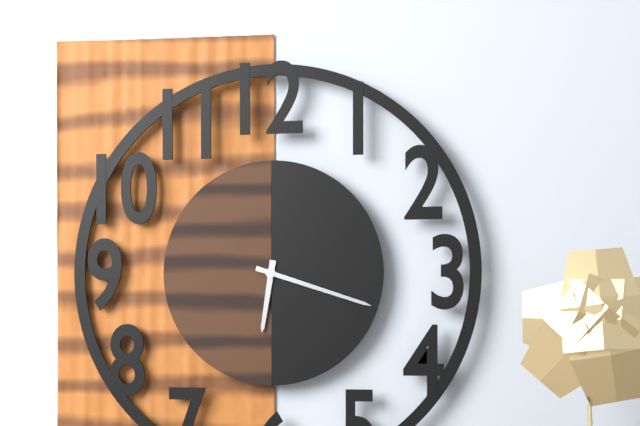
6:18
